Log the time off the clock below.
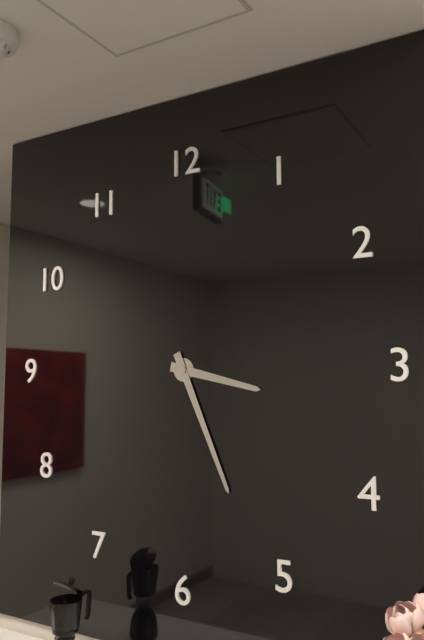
3:26
